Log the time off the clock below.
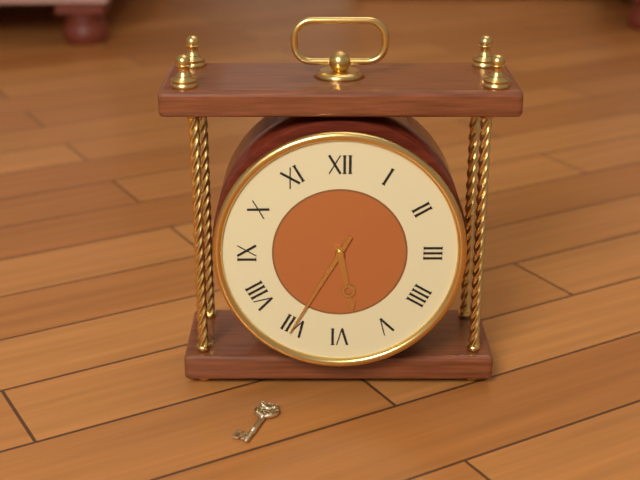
5:35
